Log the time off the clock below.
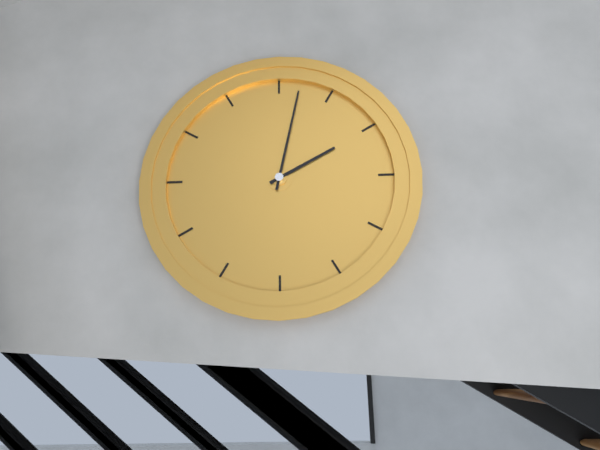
2:02
